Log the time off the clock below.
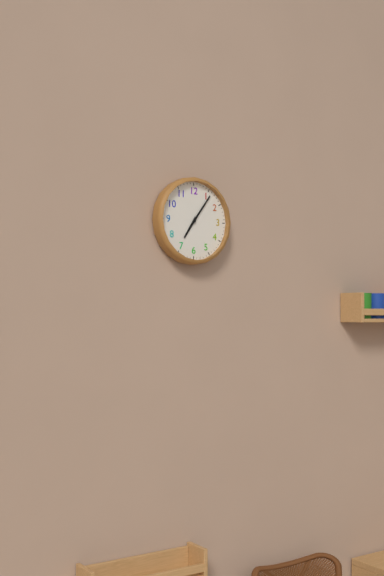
7:06
